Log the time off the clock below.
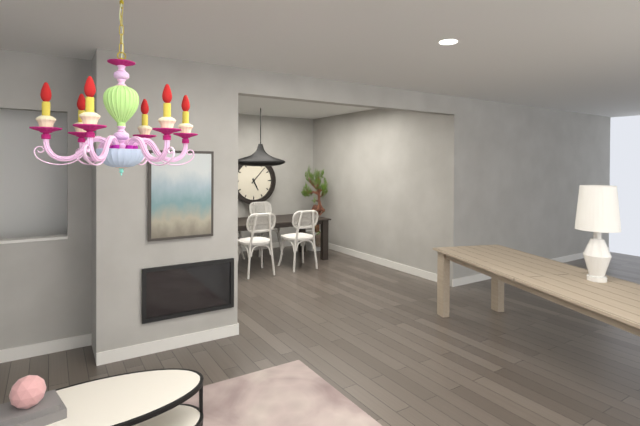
5:07
